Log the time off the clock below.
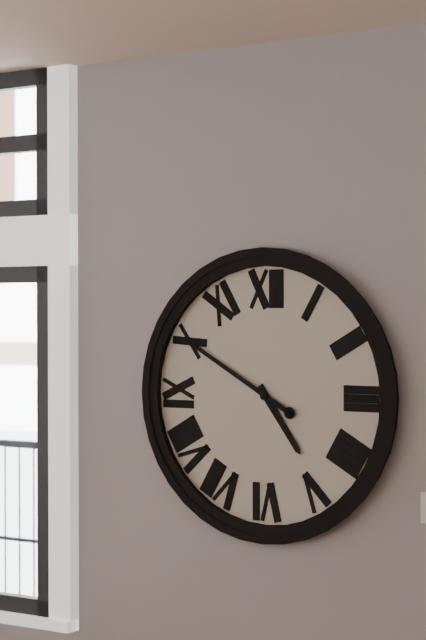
4:50
